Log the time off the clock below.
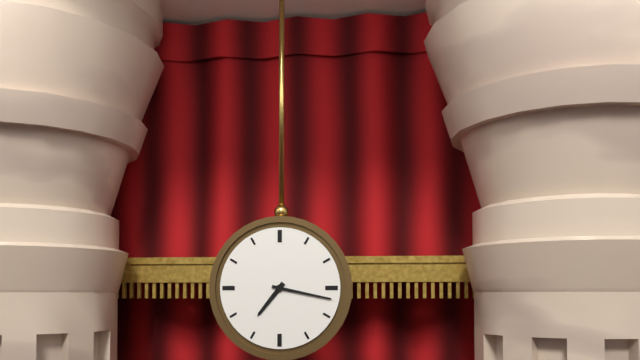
7:17
